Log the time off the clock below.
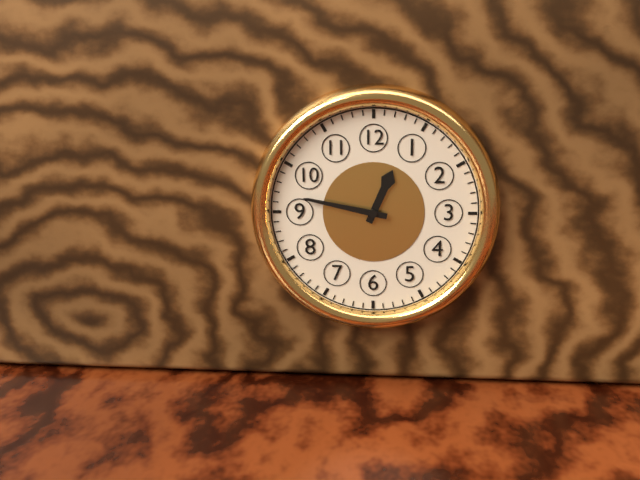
12:47
